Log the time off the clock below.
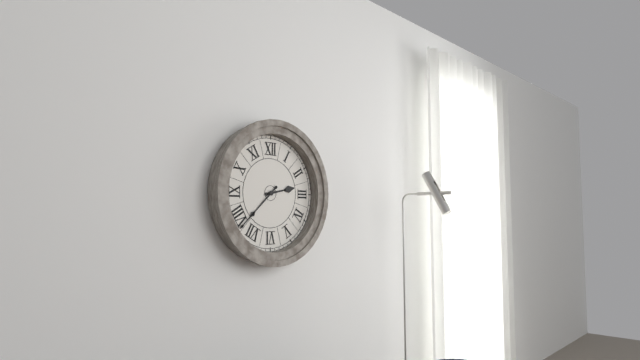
2:38
